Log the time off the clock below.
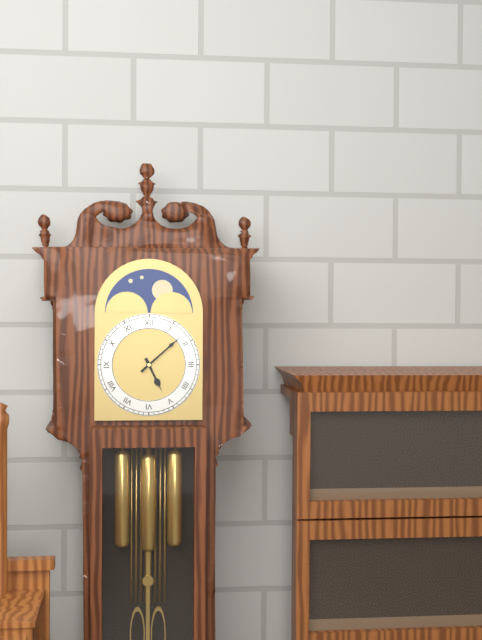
5:08
